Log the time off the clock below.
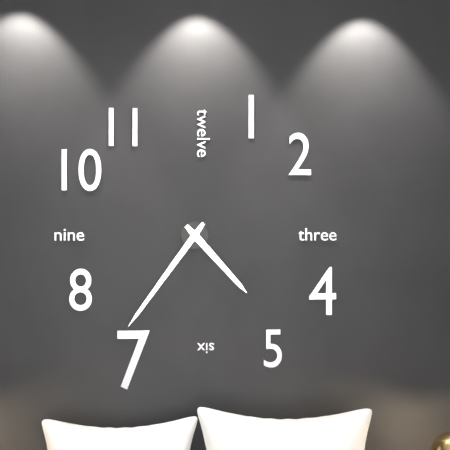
4:36
